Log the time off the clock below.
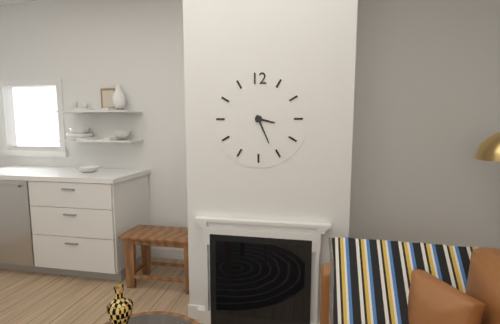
3:26
